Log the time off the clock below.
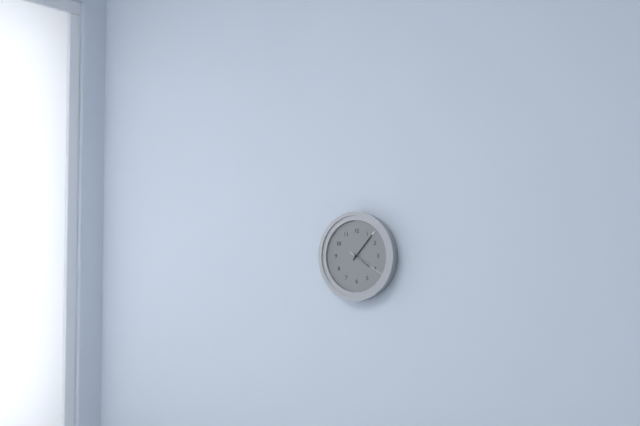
4:07
